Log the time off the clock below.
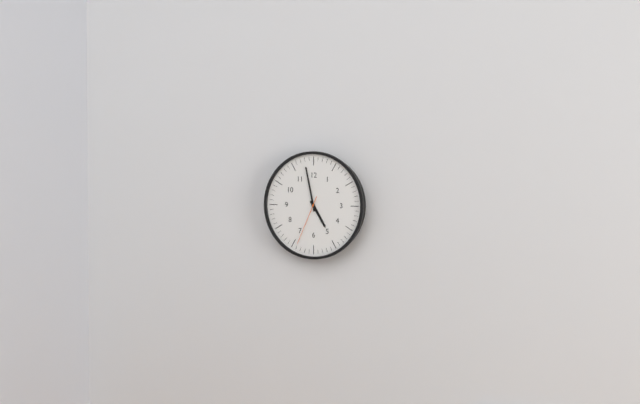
4:58:34
